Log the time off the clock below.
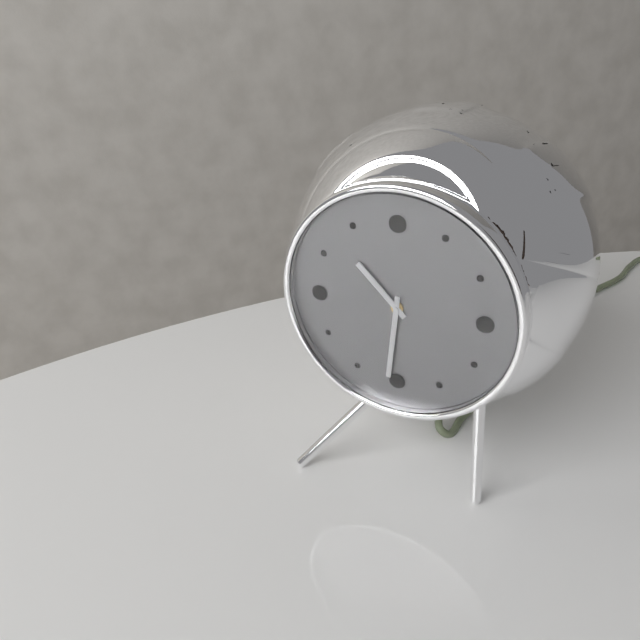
10:31
